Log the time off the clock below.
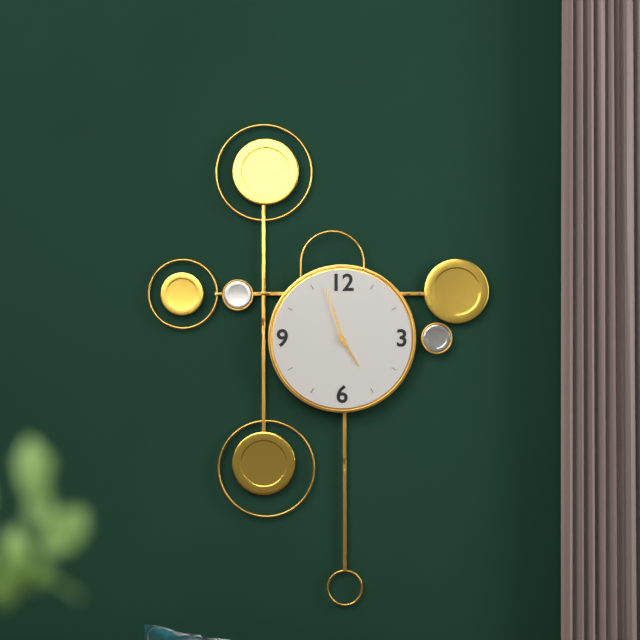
4:57
